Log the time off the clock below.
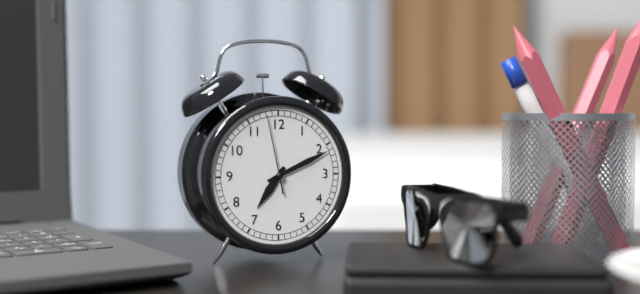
7:11:58
